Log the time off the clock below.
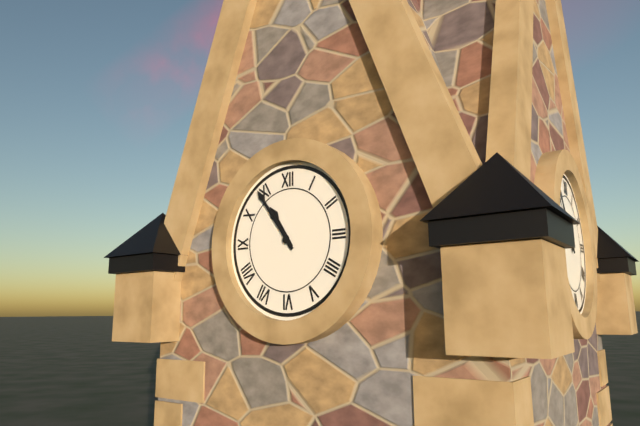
10:54
